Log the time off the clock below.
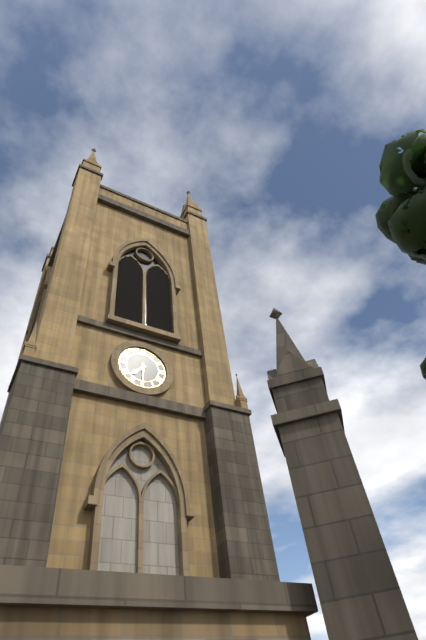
7:30
